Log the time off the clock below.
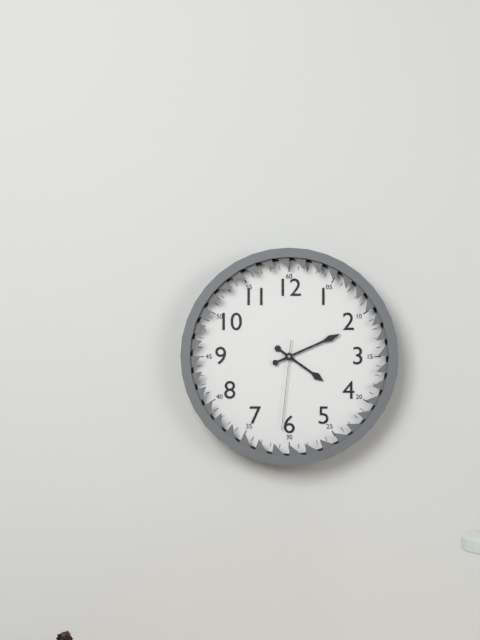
4:11:31
